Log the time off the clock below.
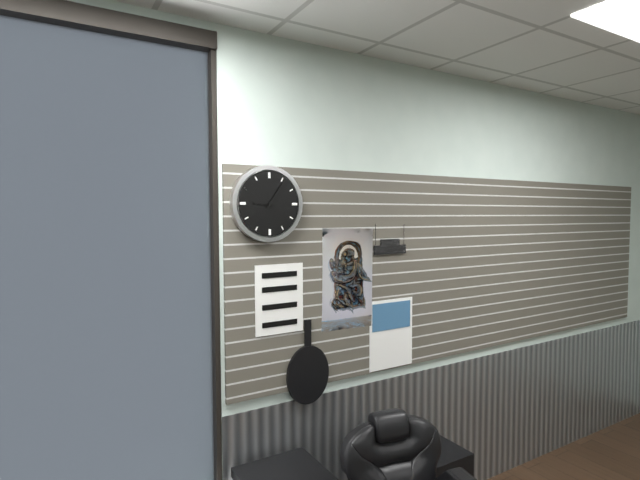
9:06
